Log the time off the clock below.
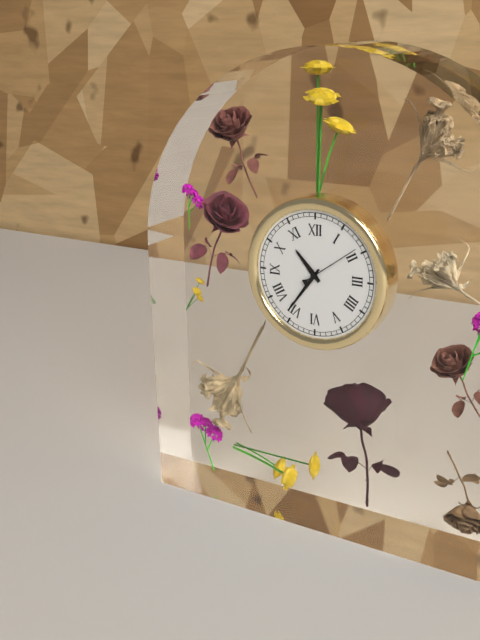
10:36:09
